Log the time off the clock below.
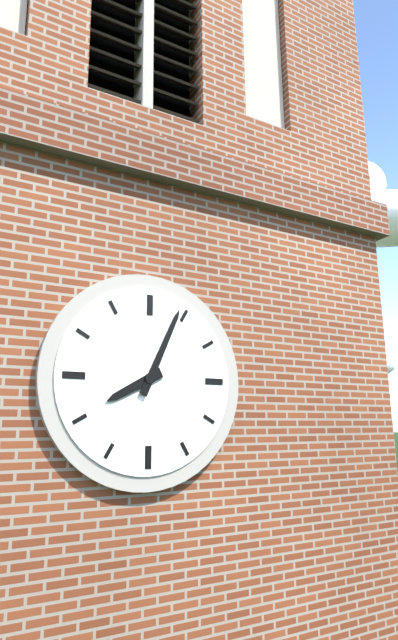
8:04
